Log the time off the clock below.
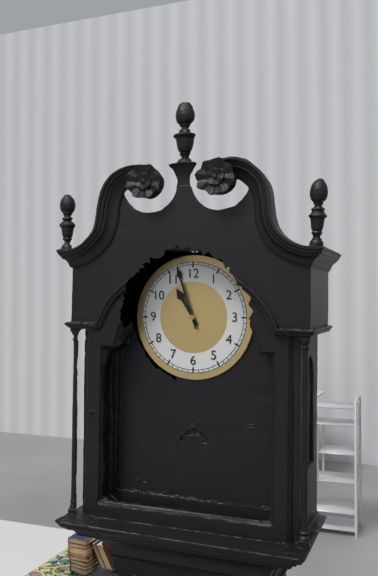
10:57
